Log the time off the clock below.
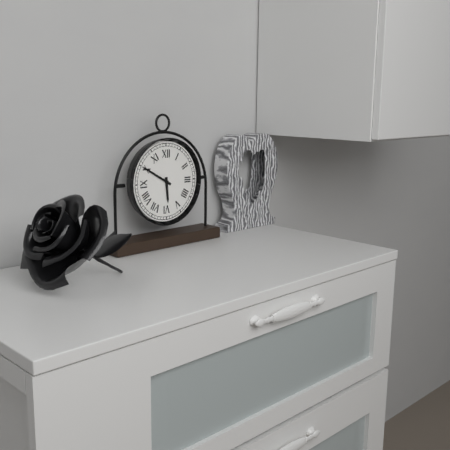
5:50
